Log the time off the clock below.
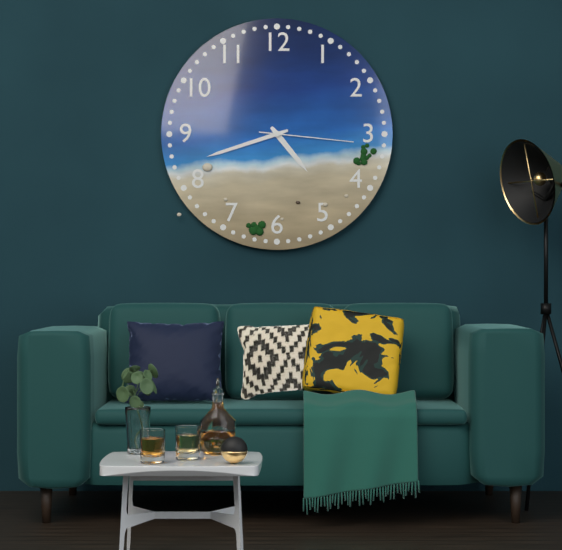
4:42:16
